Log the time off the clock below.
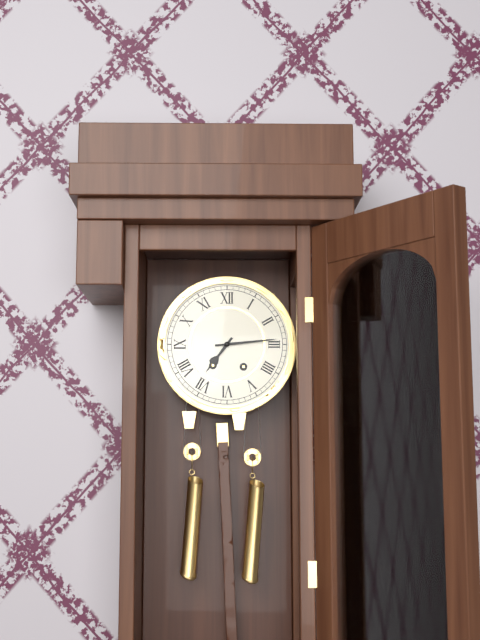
7:14
